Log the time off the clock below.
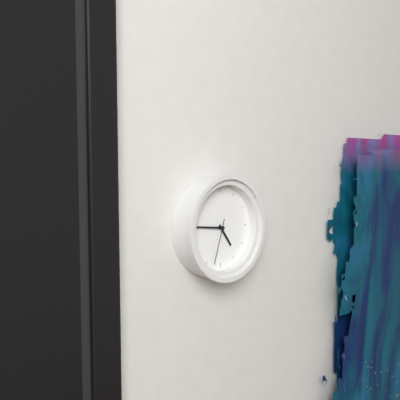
4:46
